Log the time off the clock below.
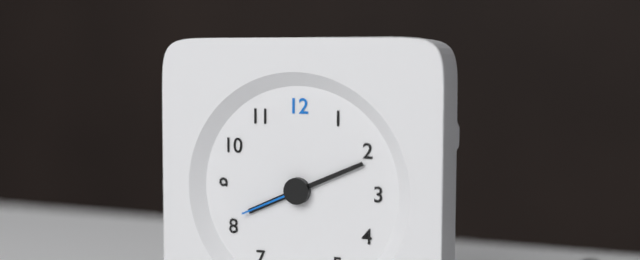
8:11:41
